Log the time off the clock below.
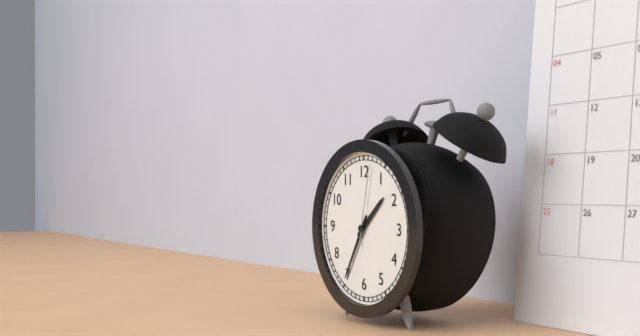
1:35:02
